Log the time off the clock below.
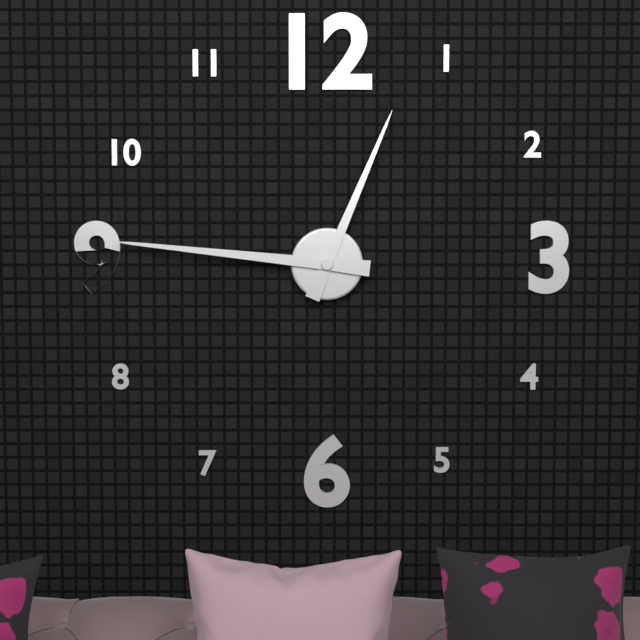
12:46
